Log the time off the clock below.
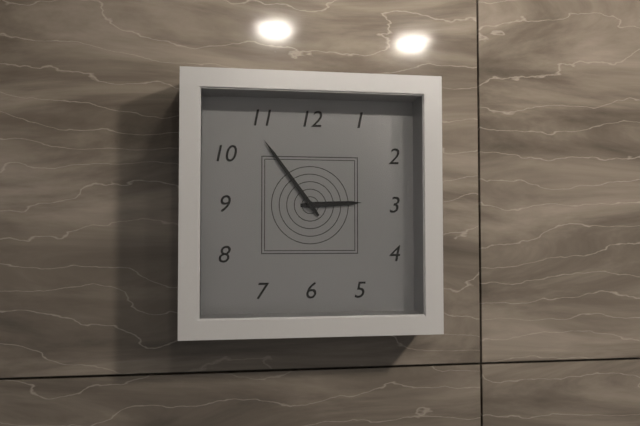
2:54
